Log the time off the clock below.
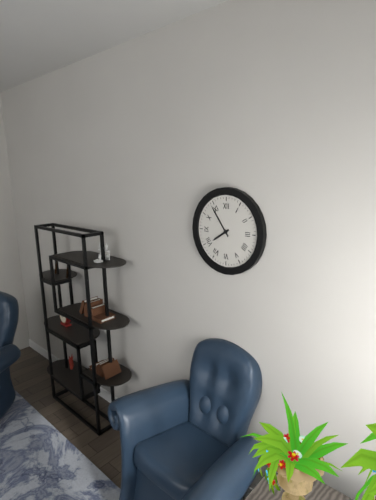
7:54
